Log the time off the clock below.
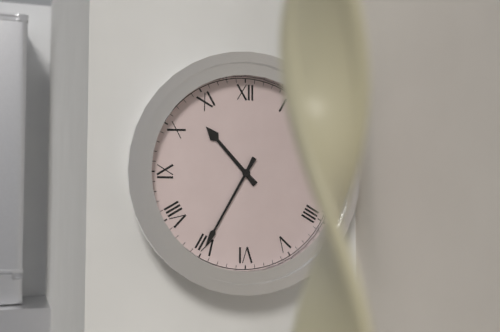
10:35
